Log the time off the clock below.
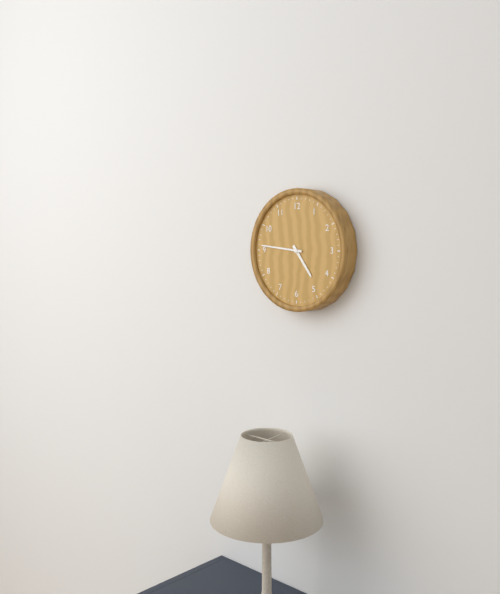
4:46
